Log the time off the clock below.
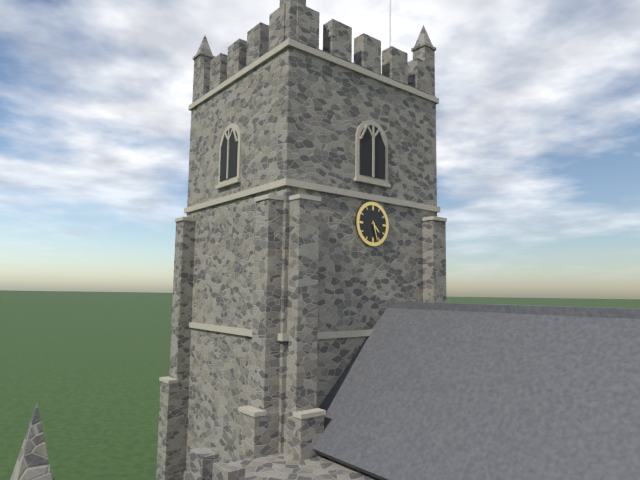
4:27
